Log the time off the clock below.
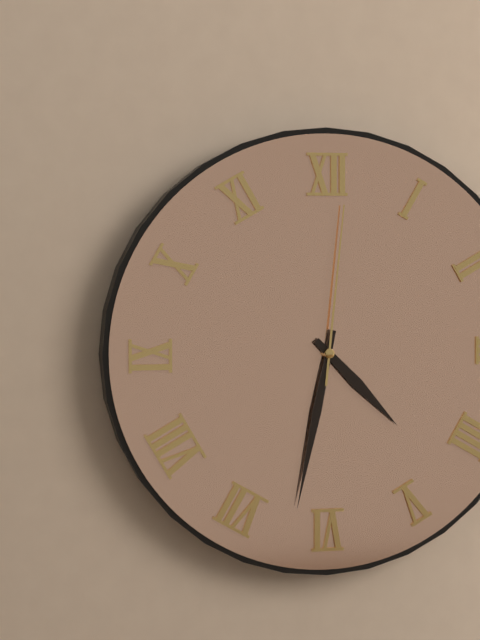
4:32:01
